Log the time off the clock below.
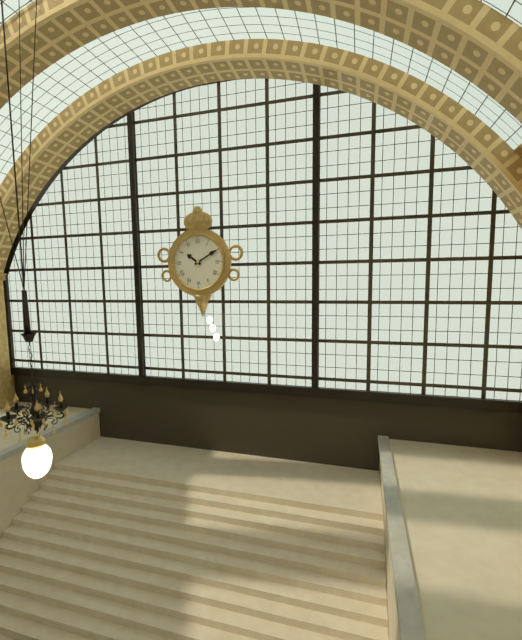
10:10
